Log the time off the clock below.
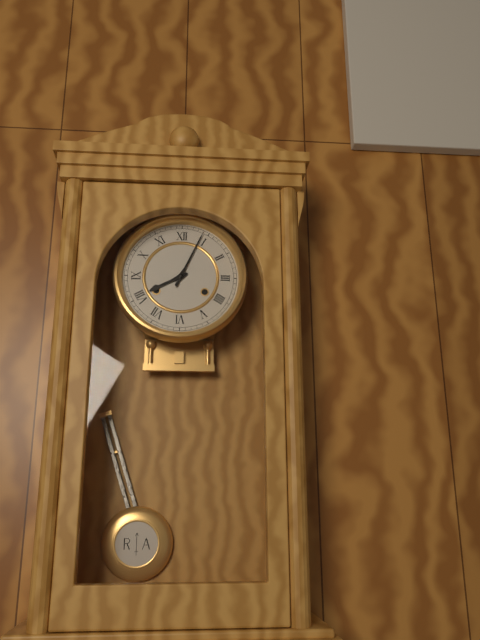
8:04
